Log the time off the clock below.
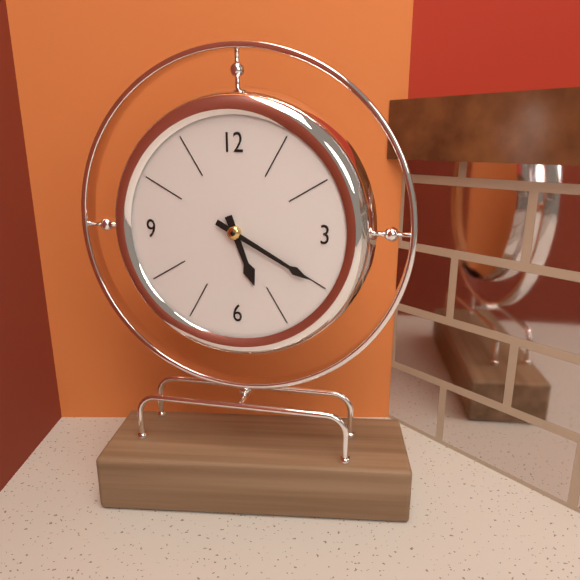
5:20
